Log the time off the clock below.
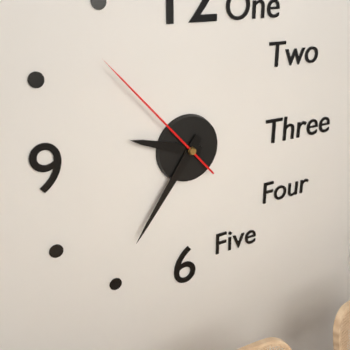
9:36:53
